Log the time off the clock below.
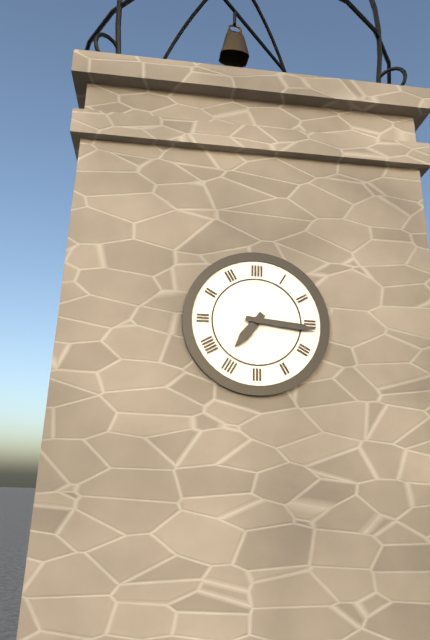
7:16
